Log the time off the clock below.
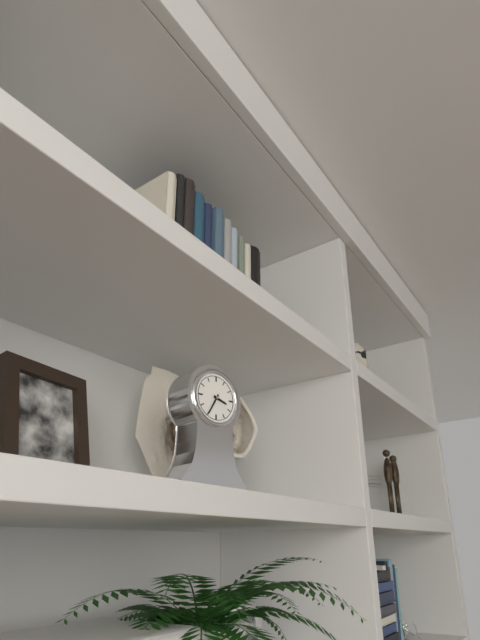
3:35
